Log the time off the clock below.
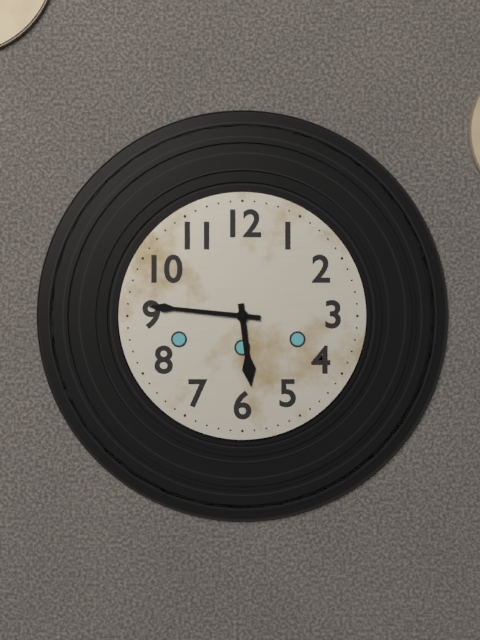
5:46
